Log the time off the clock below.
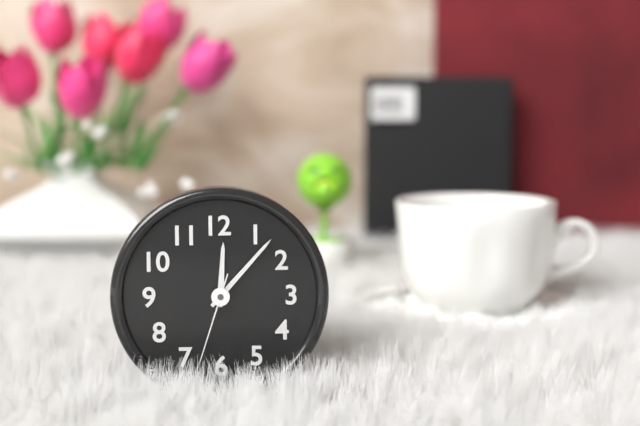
12:07:33
